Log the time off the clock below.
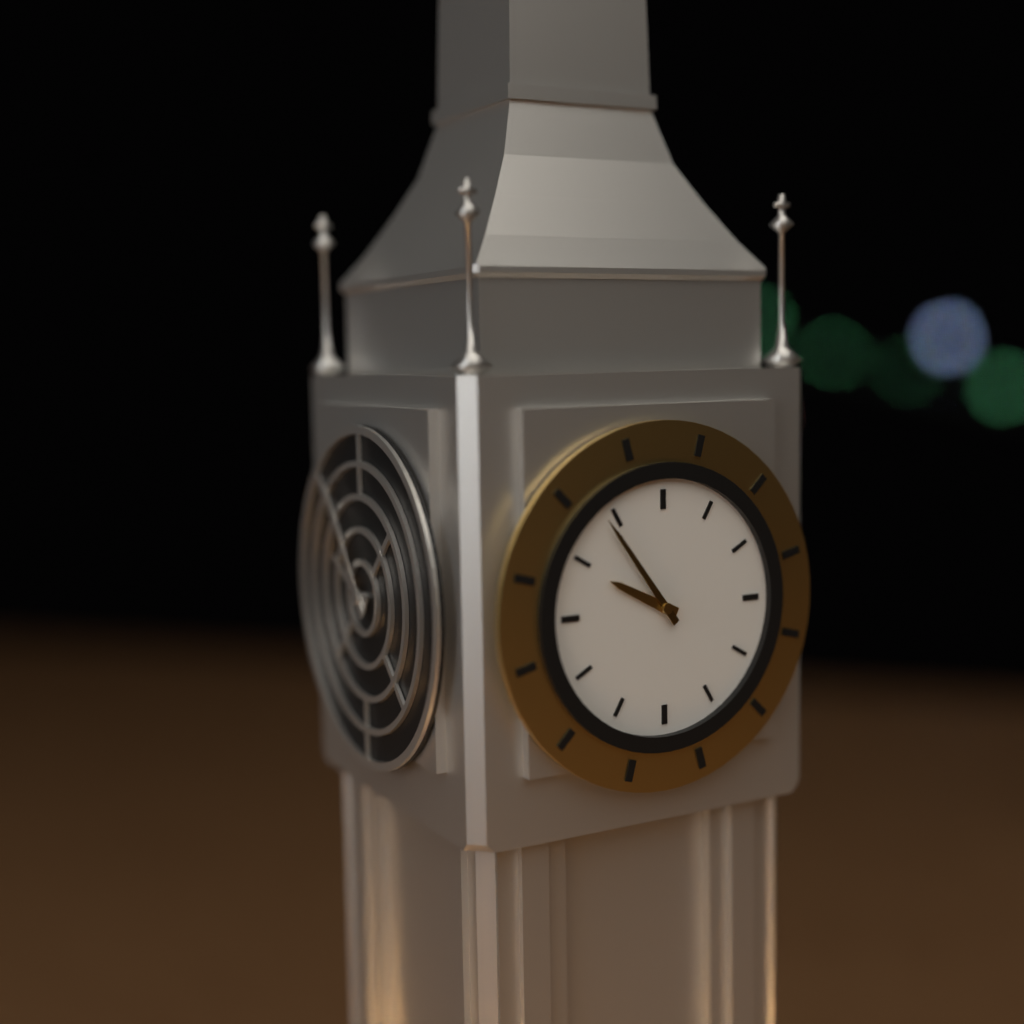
9:54
